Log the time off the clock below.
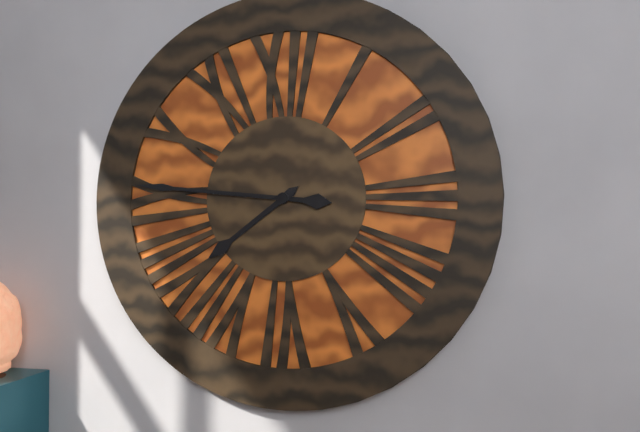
7:46
